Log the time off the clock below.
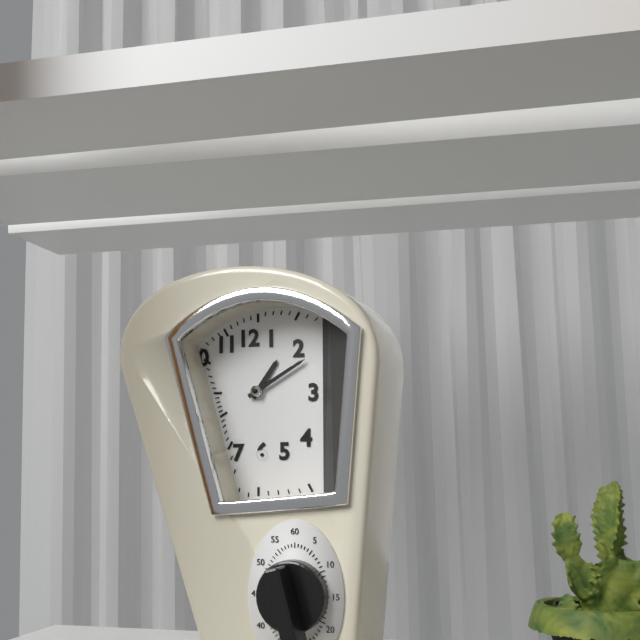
1:10
